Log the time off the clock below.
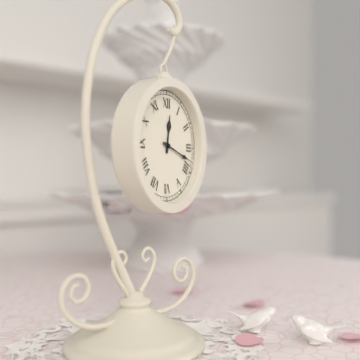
12:18
